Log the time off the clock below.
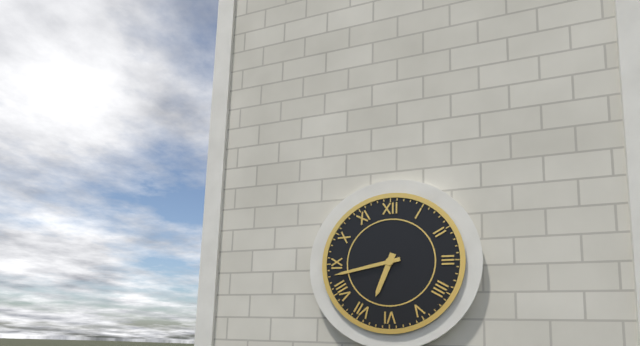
6:43
